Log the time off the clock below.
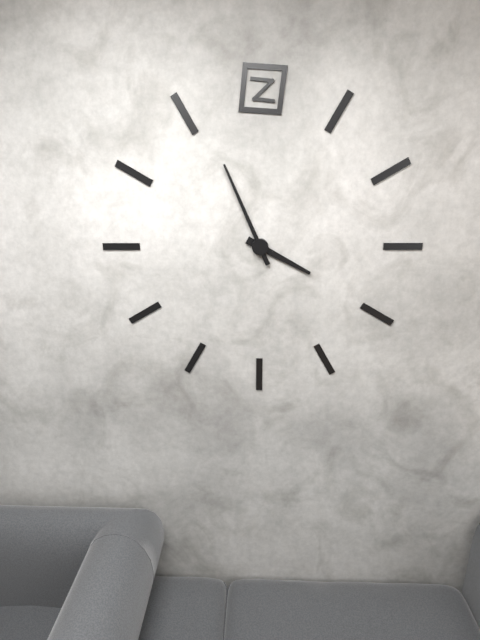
3:56
